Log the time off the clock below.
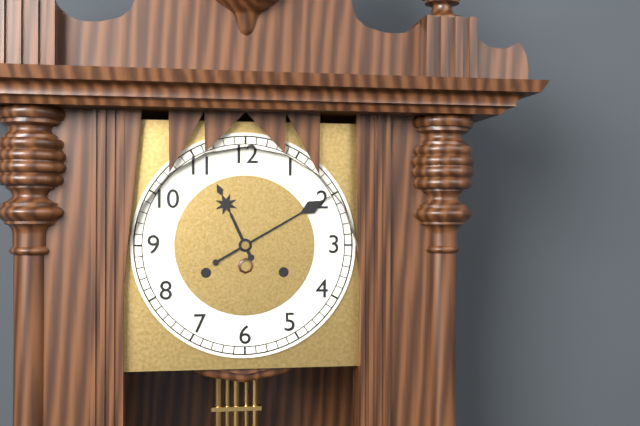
11:10
